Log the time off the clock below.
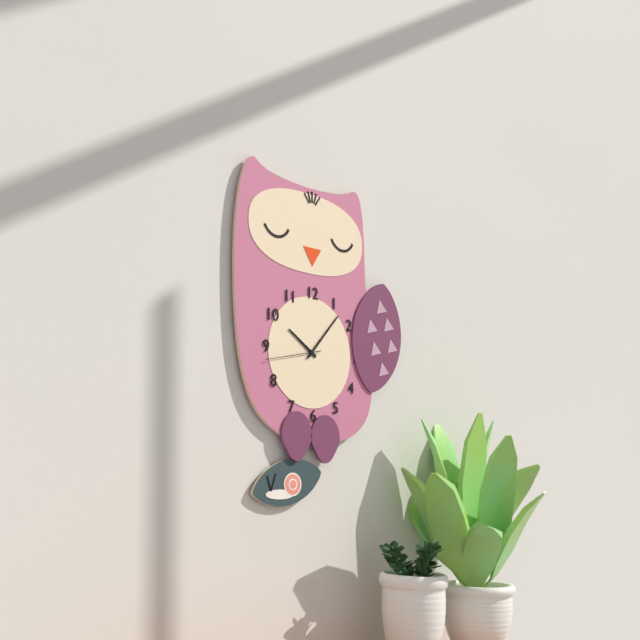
10:07:43
